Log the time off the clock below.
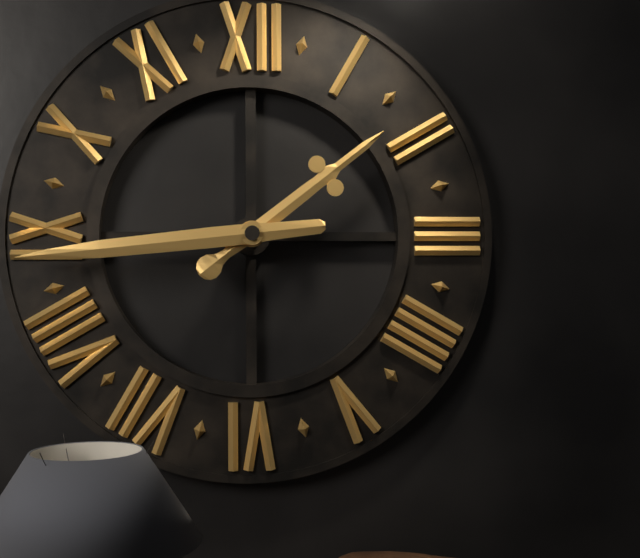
1:44
